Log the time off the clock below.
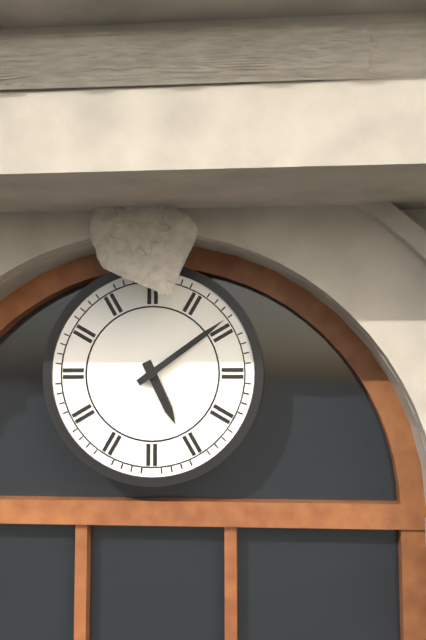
5:09
